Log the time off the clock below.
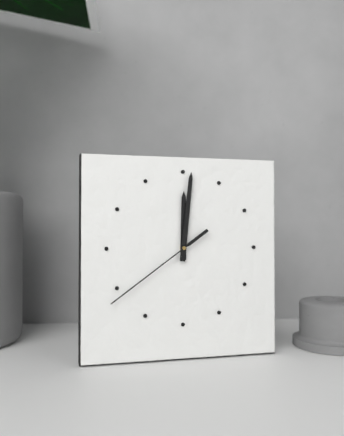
12:01:39
